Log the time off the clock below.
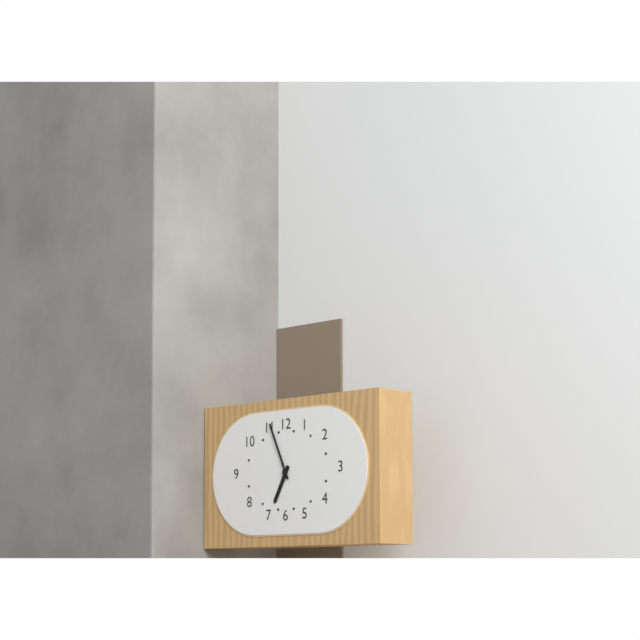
6:56
